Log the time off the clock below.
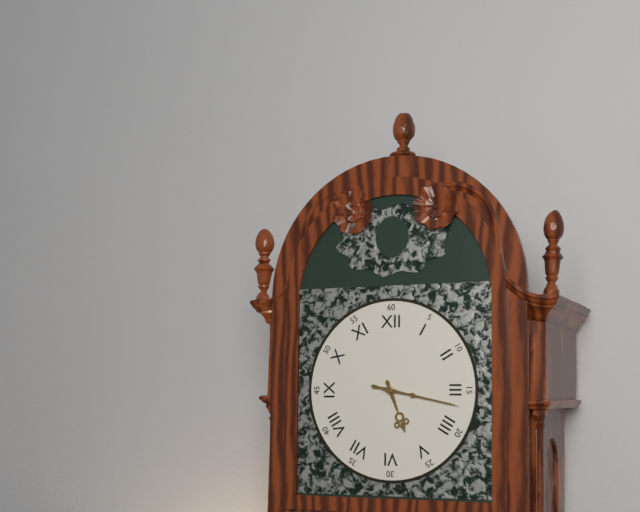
5:17
